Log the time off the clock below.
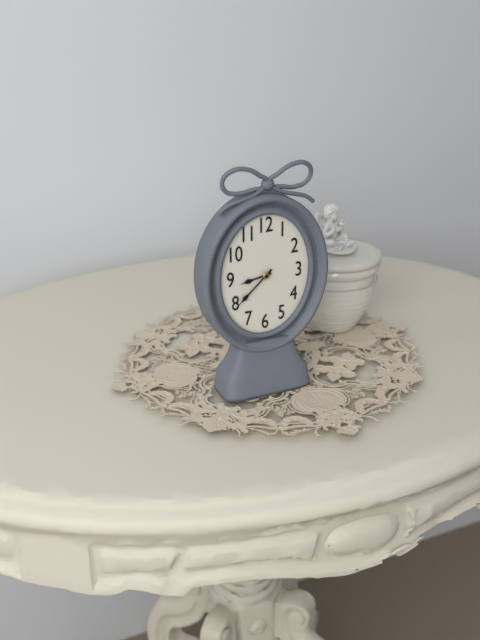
8:38
